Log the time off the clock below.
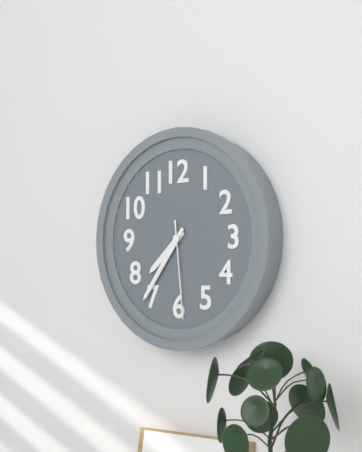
7:36:29
